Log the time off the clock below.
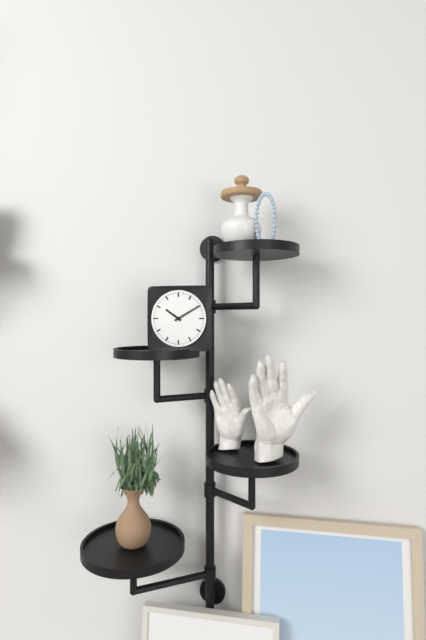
10:10
